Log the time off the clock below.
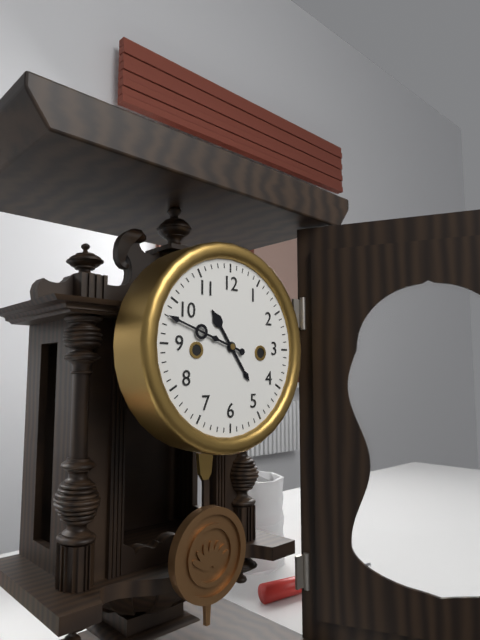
10:48
